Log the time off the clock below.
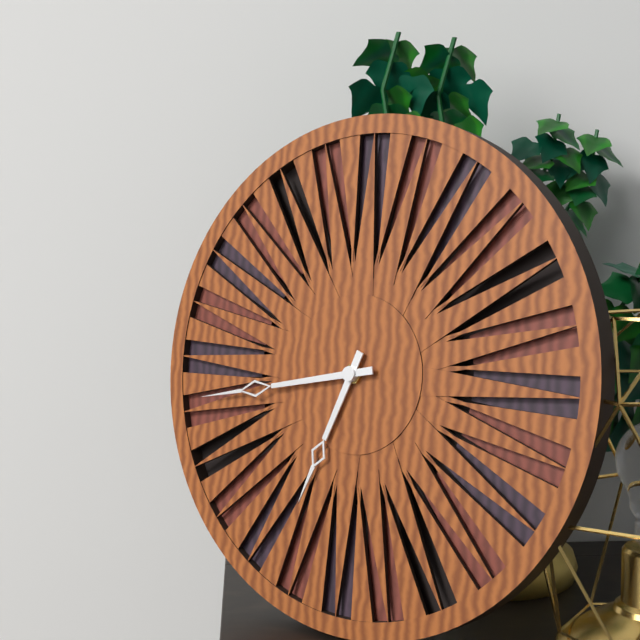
6:43
